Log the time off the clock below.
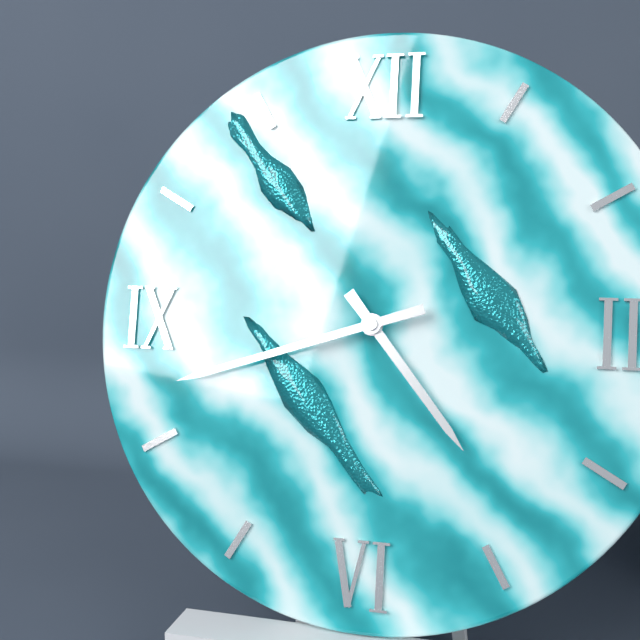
4:42
